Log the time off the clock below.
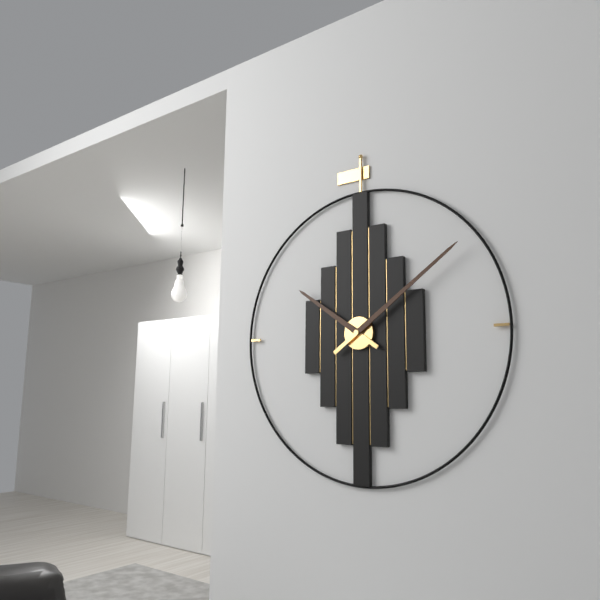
10:09
